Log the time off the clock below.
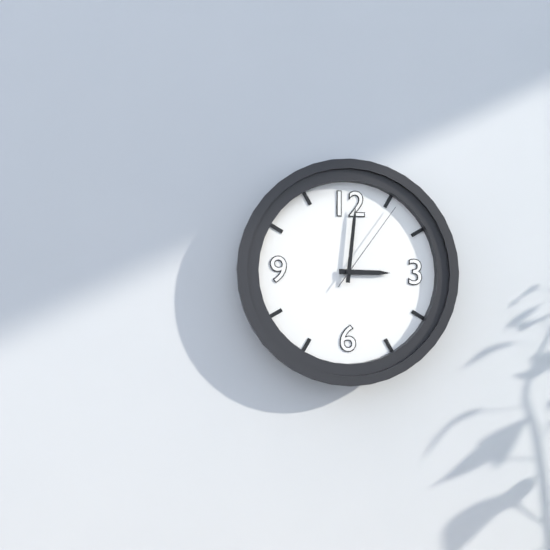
3:01:06
